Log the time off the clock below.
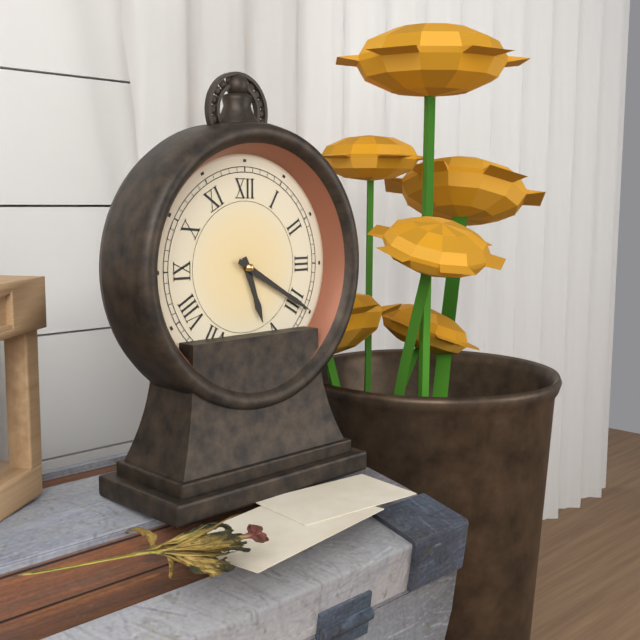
5:20
